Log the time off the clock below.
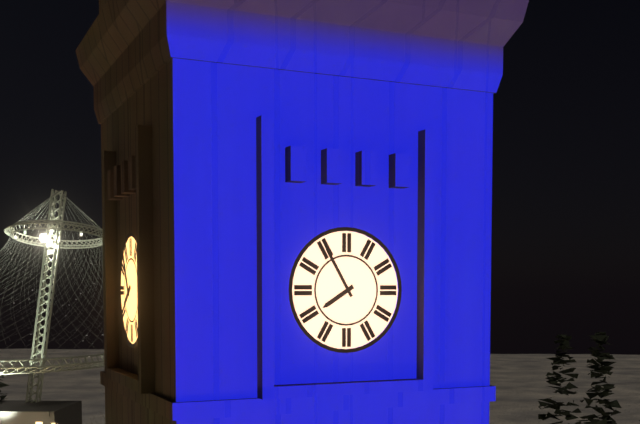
7:55
